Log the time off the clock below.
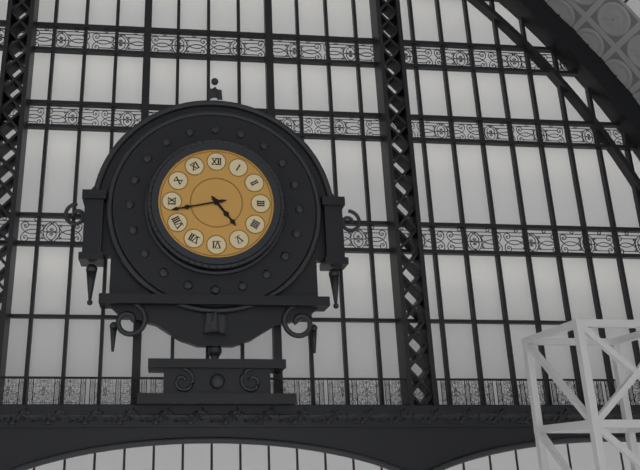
4:43
